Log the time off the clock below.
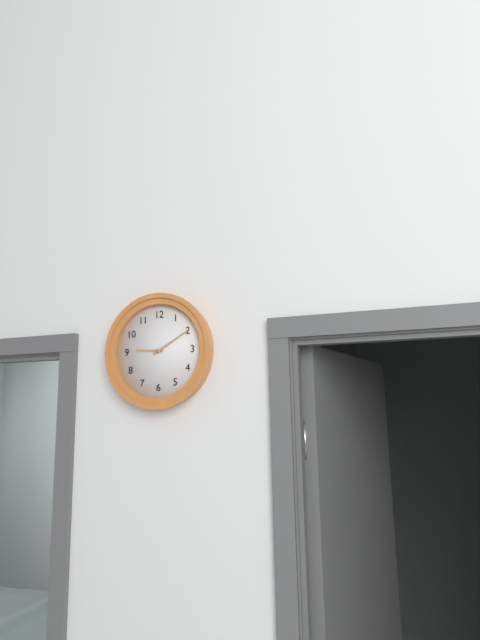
9:10
